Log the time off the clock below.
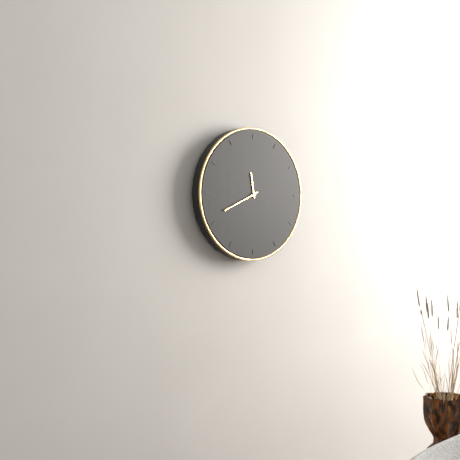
11:41
